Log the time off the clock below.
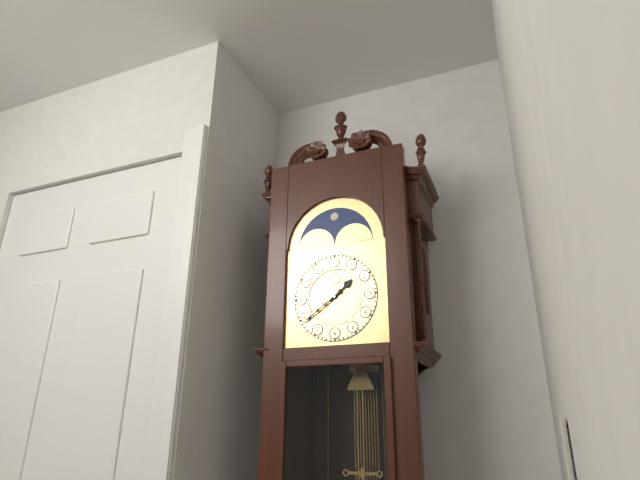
1:39
